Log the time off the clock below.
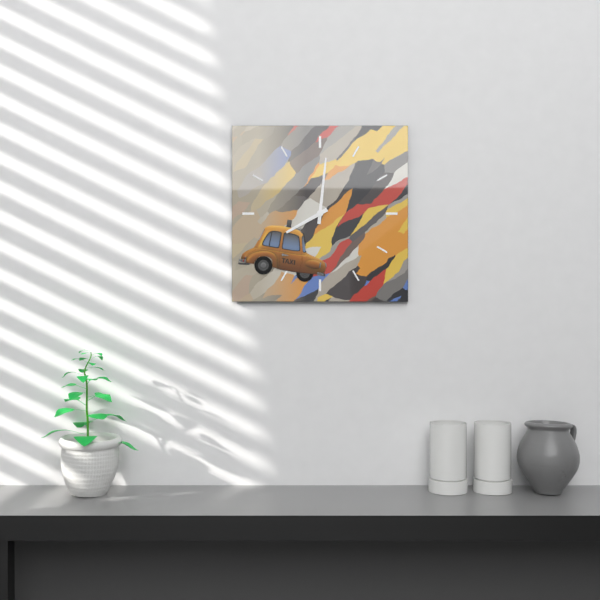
8:01
